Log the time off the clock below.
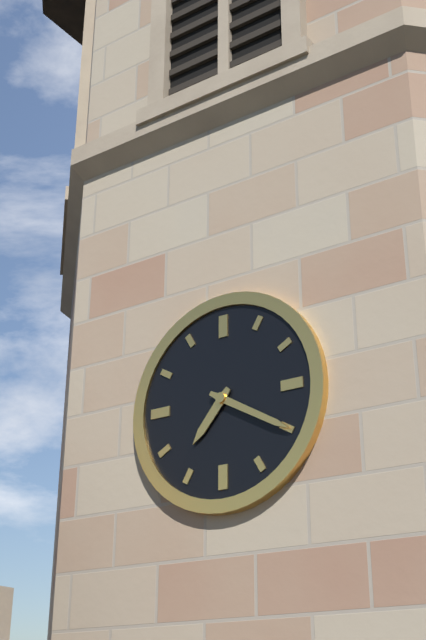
7:20
